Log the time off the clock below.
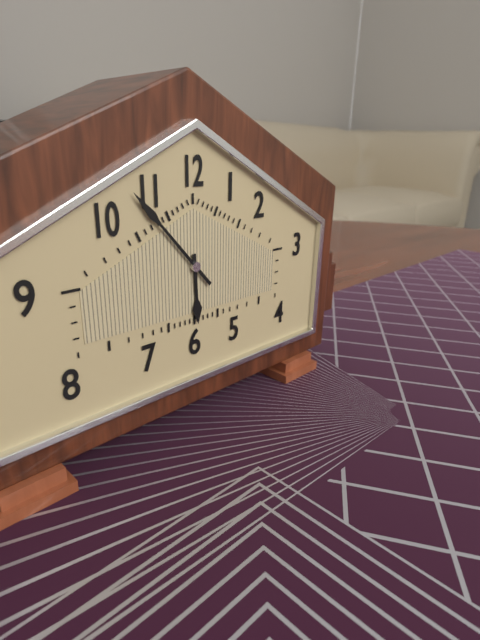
5:53
